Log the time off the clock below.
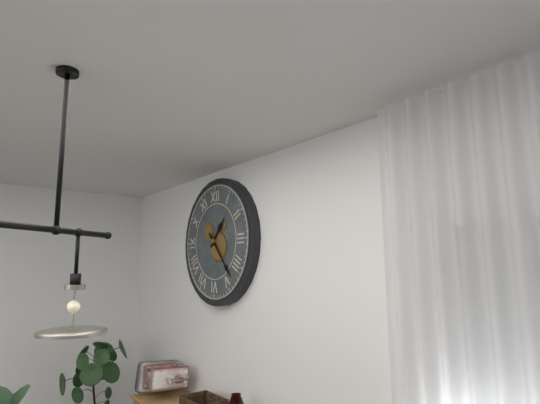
1:23
